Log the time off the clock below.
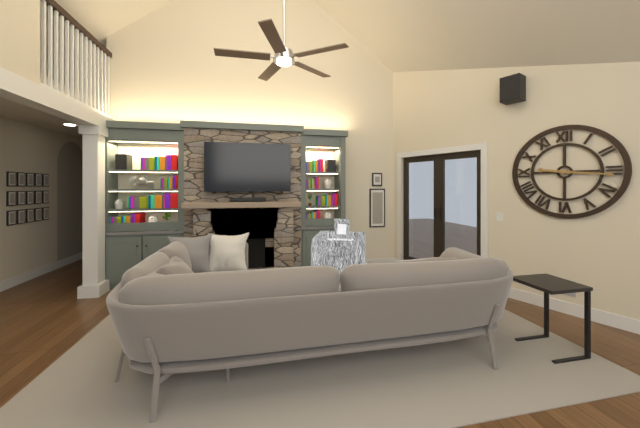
9:16
